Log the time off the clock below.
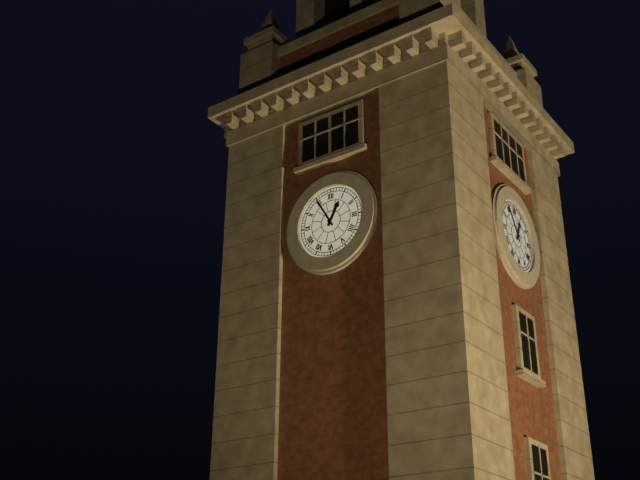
12:55
